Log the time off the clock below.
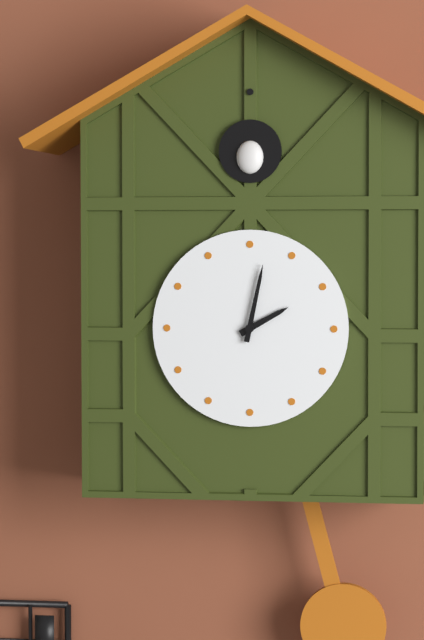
2:02
